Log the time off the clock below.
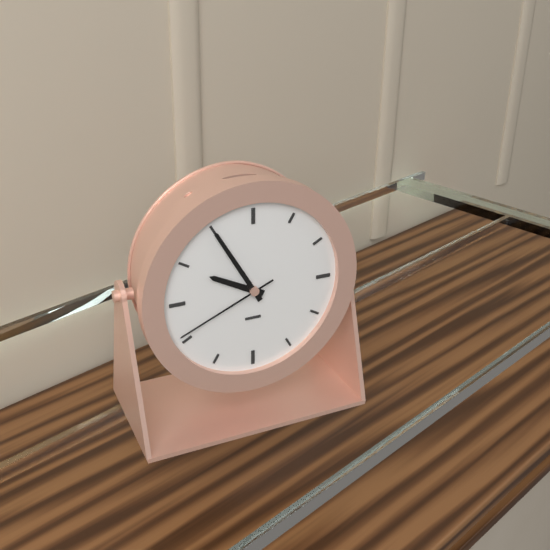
9:55:41
